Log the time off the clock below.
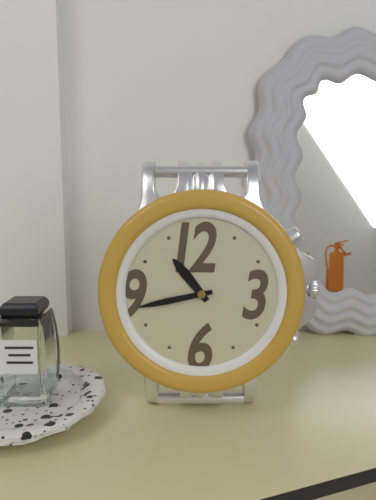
10:43
